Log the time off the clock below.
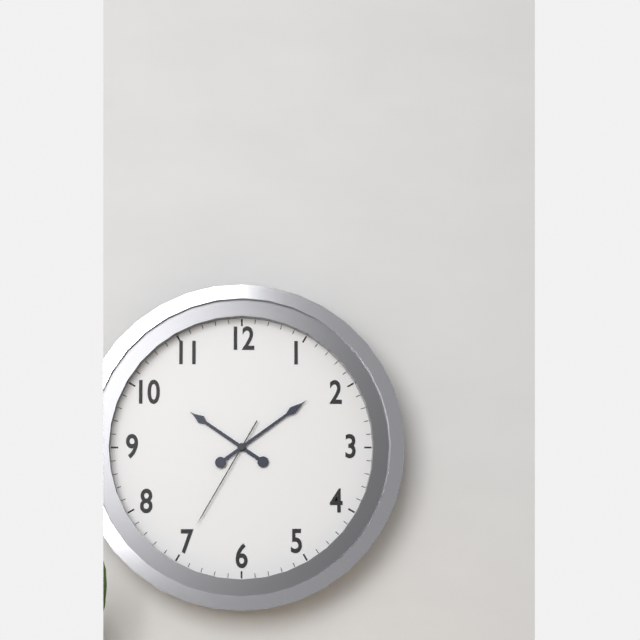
10:09:35
